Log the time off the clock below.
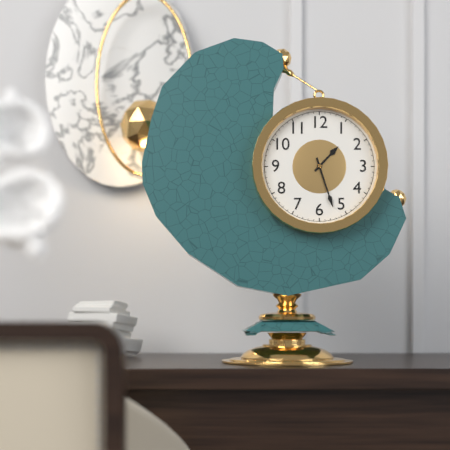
1:27
